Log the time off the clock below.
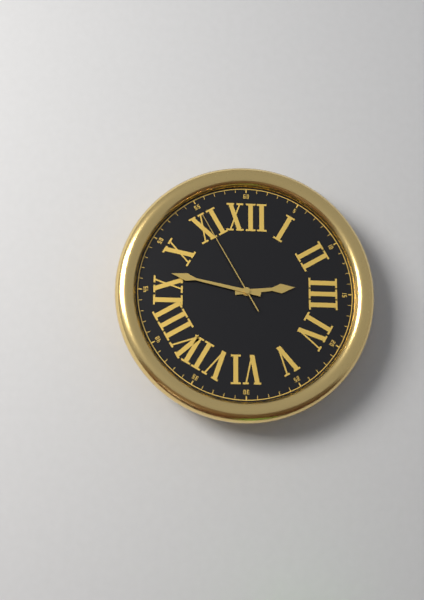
2:47:55
